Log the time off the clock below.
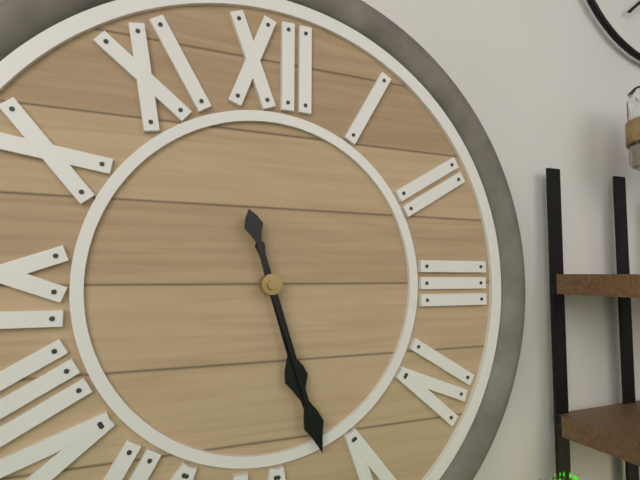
5:27
